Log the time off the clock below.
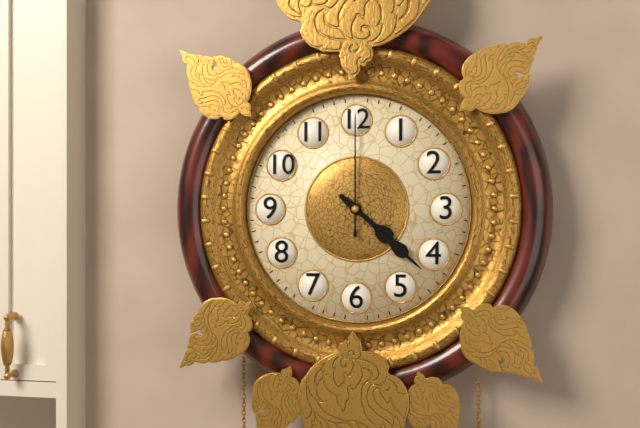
4:22:00
